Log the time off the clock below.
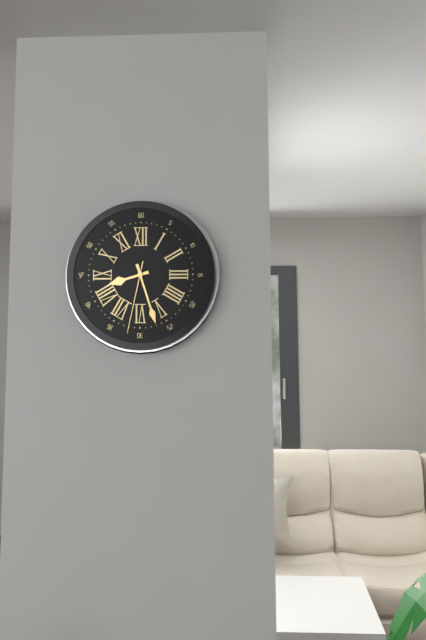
8:27:32
